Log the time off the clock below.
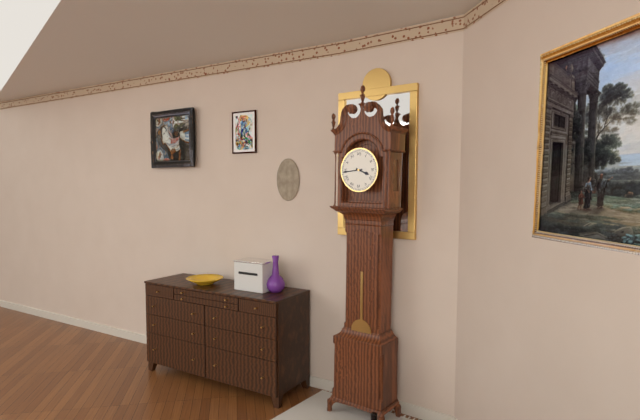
3:44
